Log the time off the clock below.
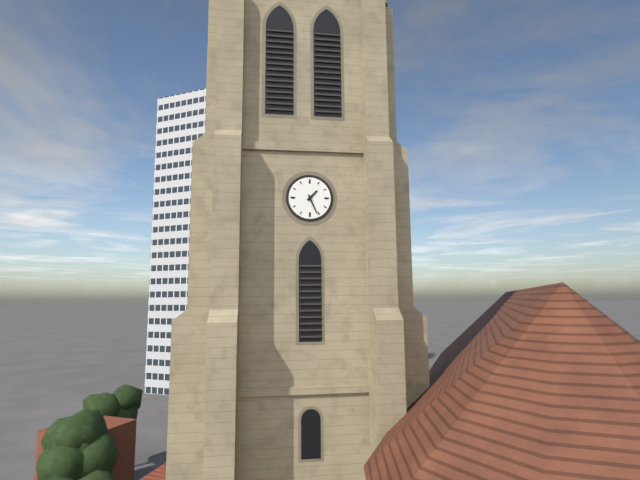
1:26
